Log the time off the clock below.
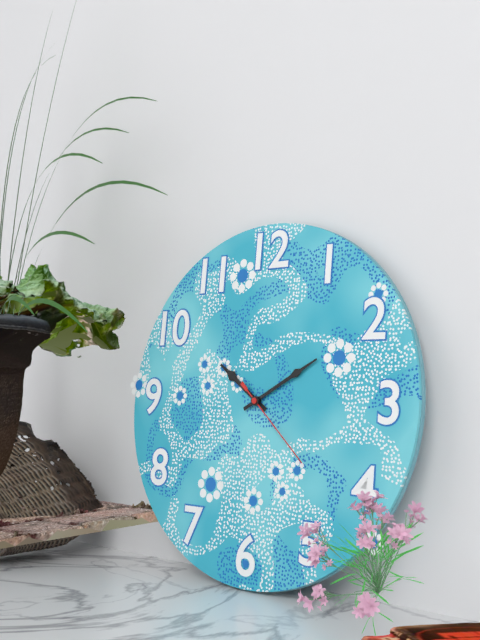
10:10:22
